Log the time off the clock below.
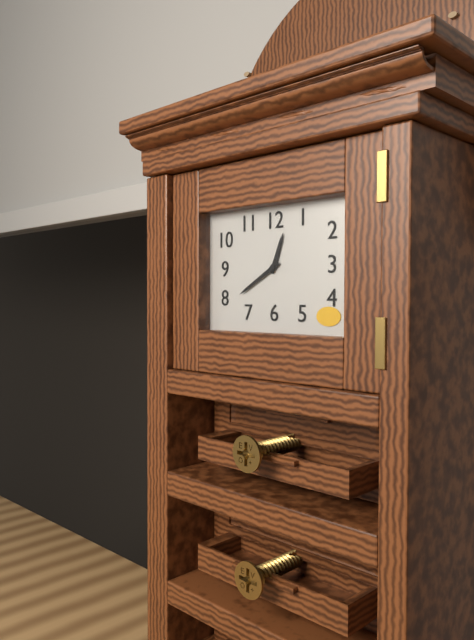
12:40
